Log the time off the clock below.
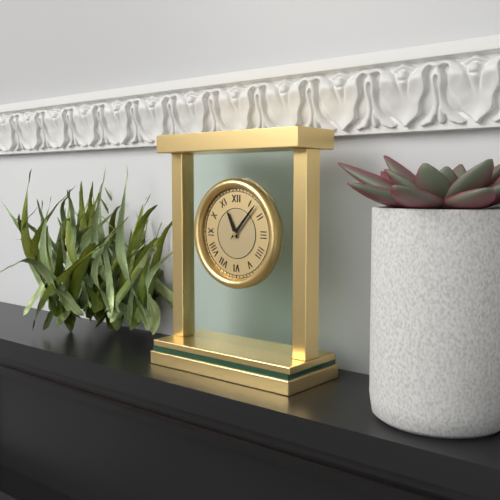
11:07
